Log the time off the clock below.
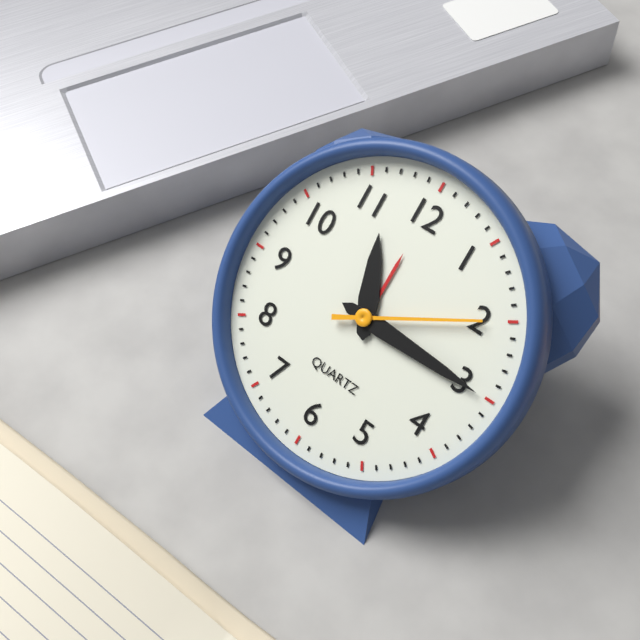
11:15:10
